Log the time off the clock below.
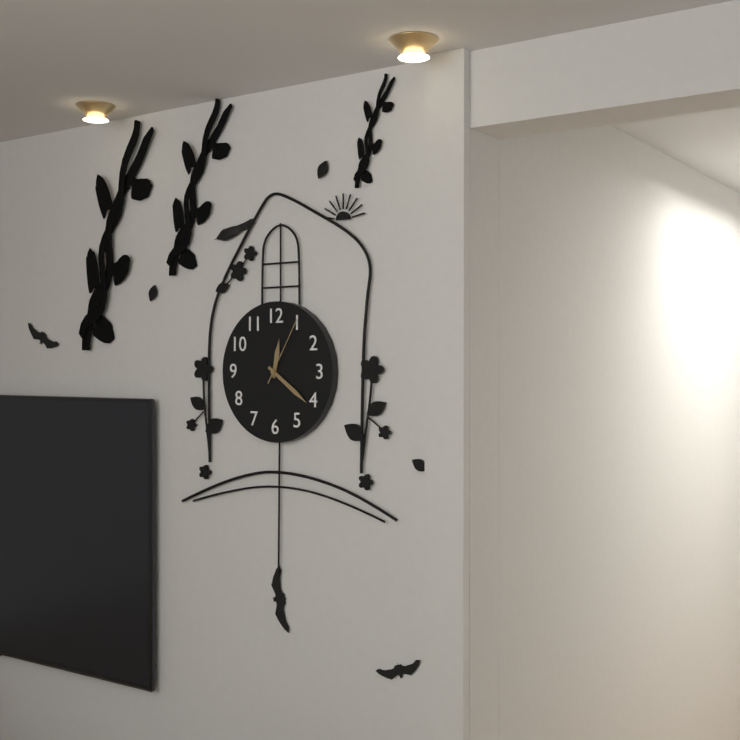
12:21:05
